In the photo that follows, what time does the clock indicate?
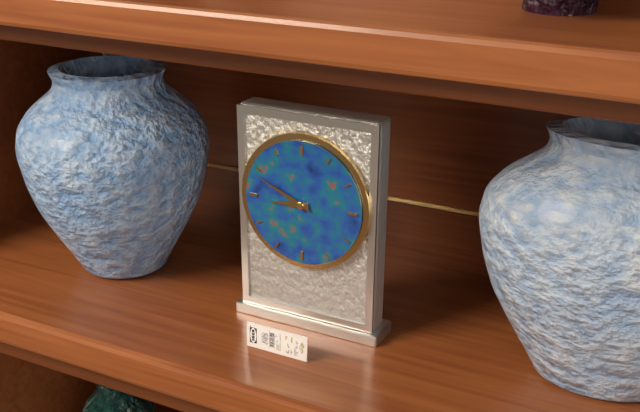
8:49
